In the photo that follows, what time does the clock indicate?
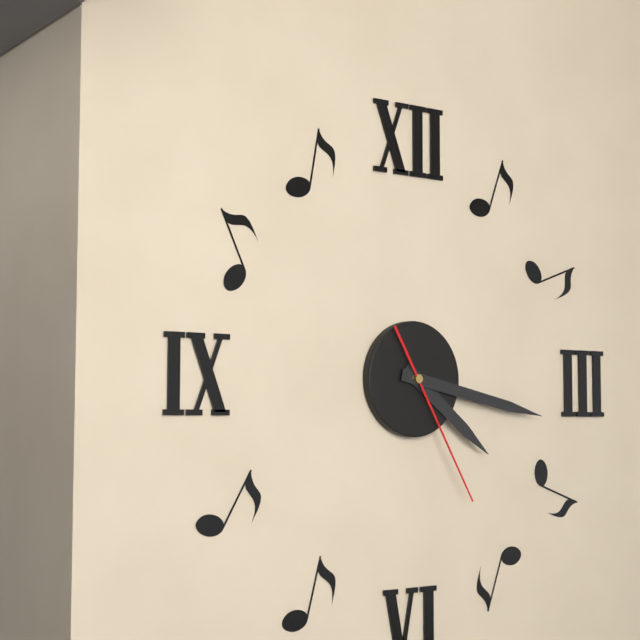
4:17:25
